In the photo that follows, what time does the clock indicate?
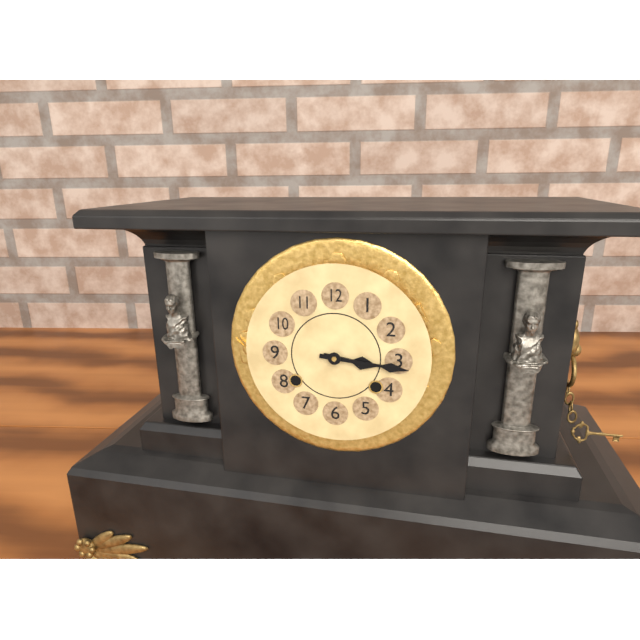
3:16
